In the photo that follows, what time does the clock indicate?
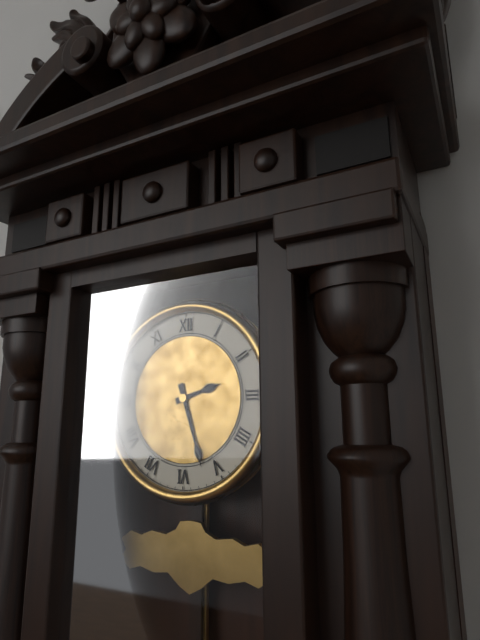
2:27
